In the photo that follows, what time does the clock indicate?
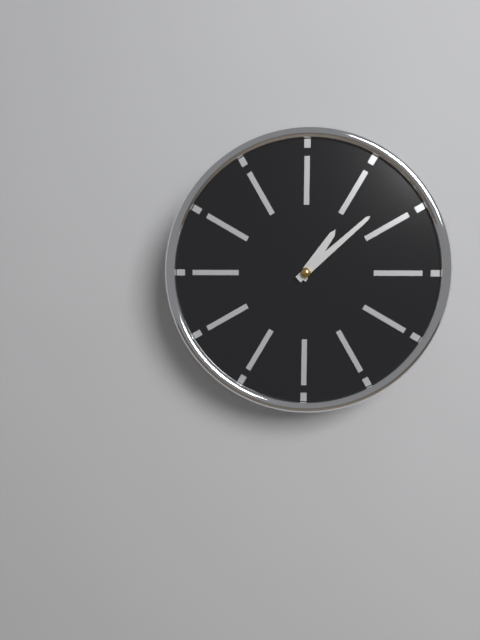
1:08
